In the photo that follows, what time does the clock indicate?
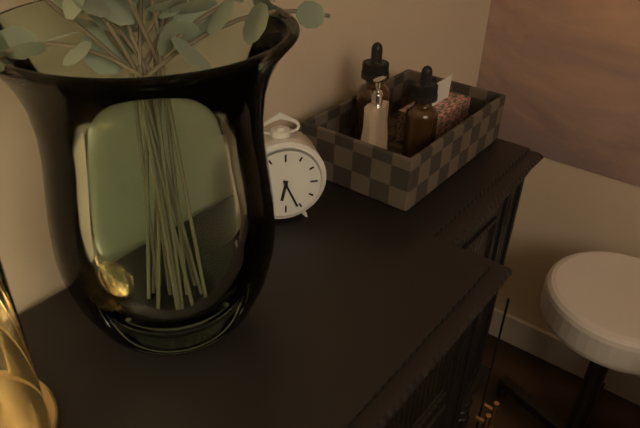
6:26
